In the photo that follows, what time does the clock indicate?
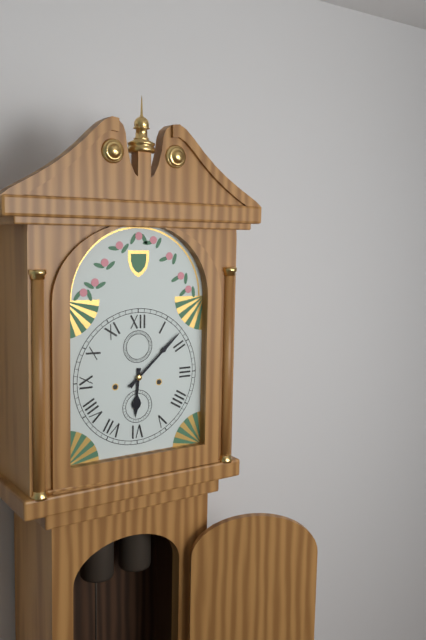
6:08
